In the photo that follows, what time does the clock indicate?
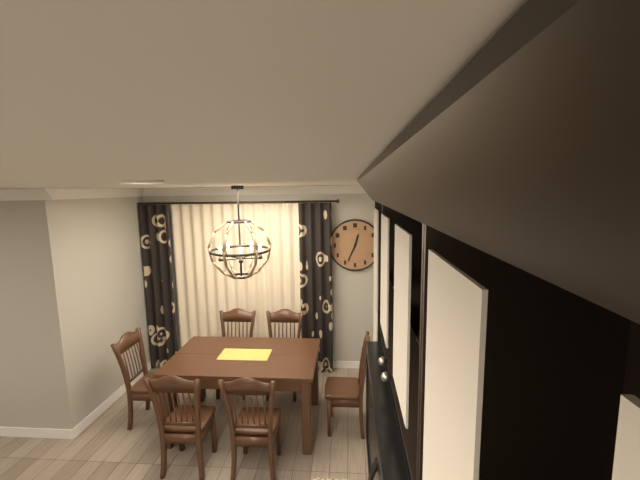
12:34
